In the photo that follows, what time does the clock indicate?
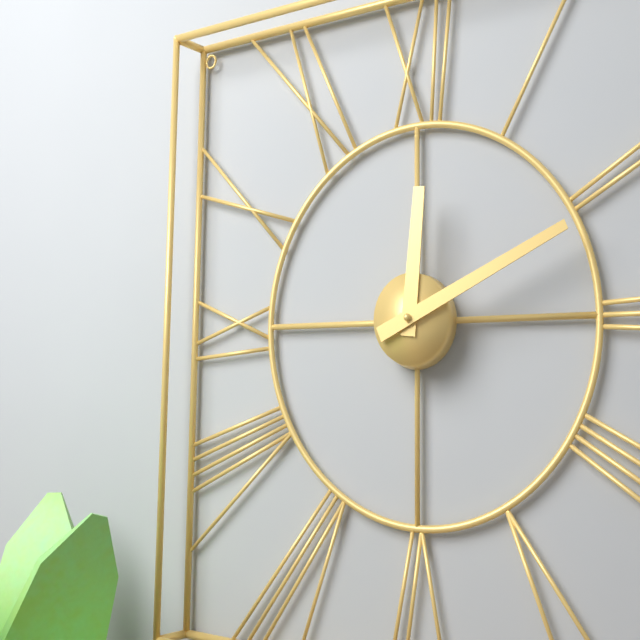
12:11
